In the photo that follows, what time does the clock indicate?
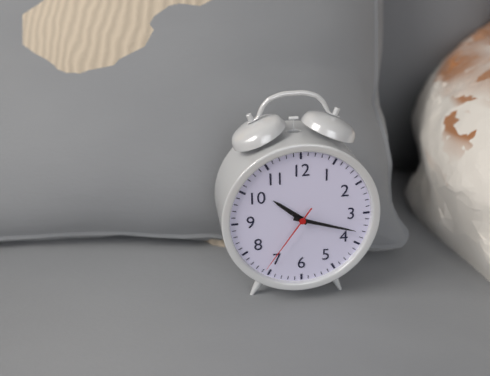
10:18:36
